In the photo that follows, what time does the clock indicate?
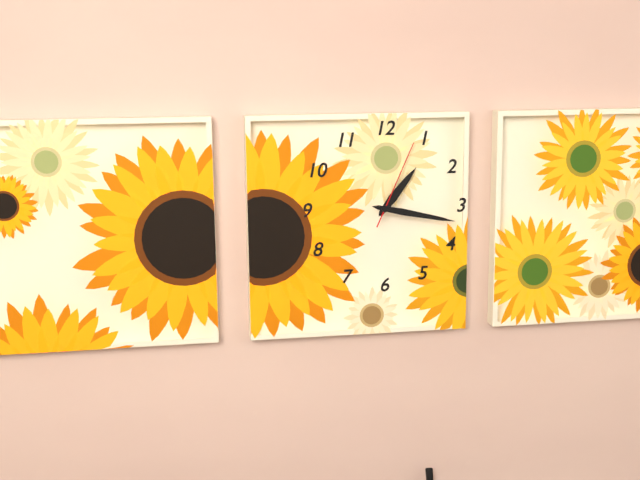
1:17:04
